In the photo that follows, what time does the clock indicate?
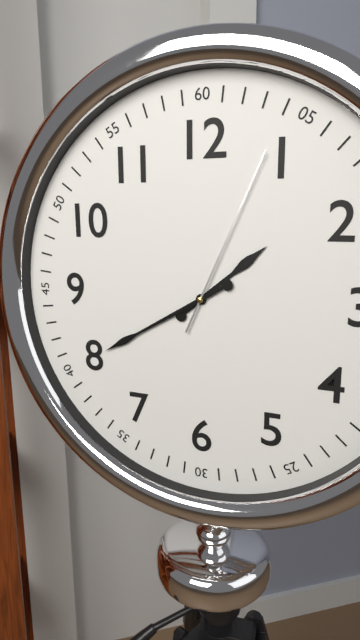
1:40:04
